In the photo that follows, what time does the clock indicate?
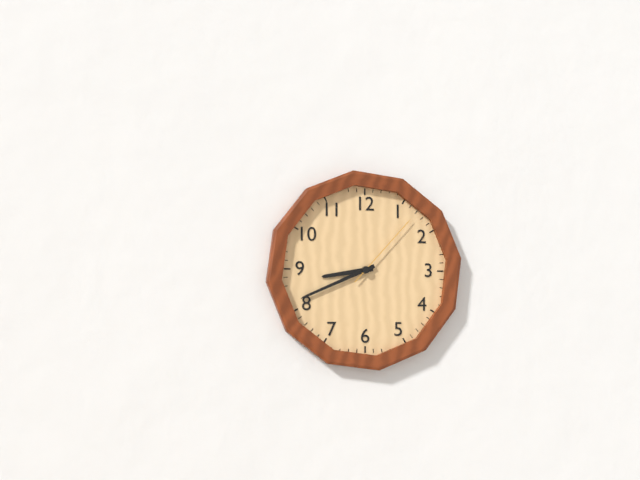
8:41:07
